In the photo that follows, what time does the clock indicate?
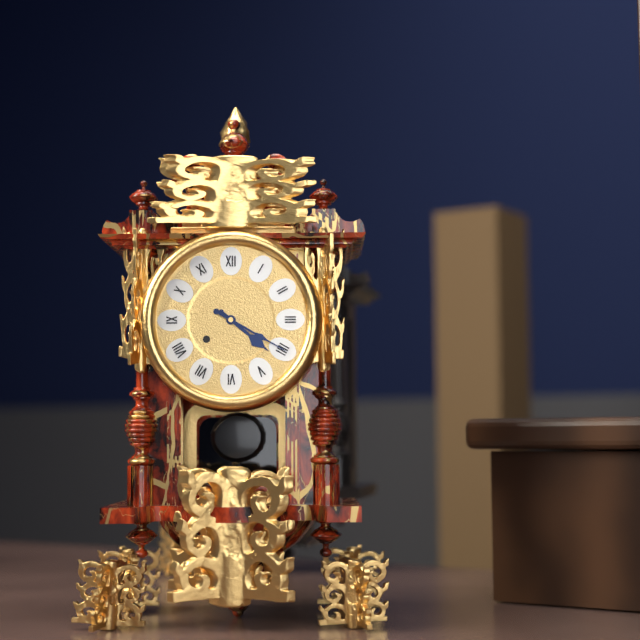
4:20
